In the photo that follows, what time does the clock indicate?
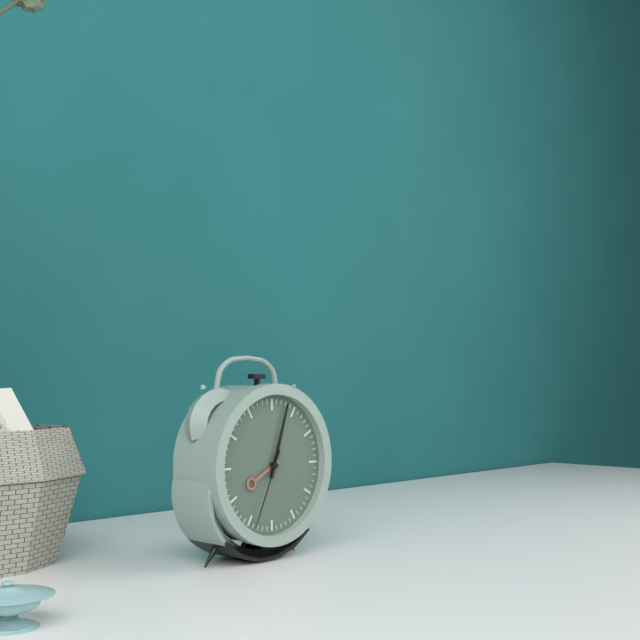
8:03:34
